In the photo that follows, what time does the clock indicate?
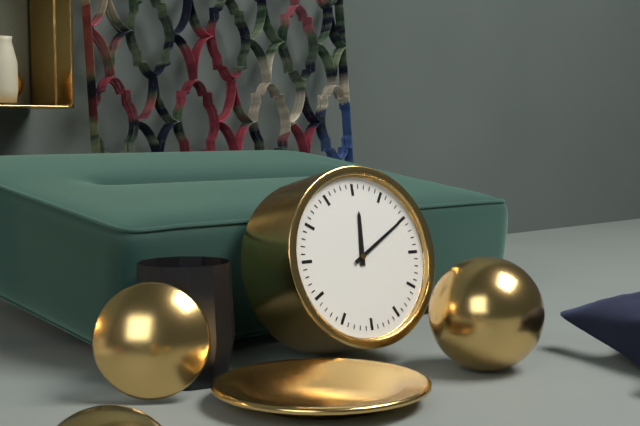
12:10
